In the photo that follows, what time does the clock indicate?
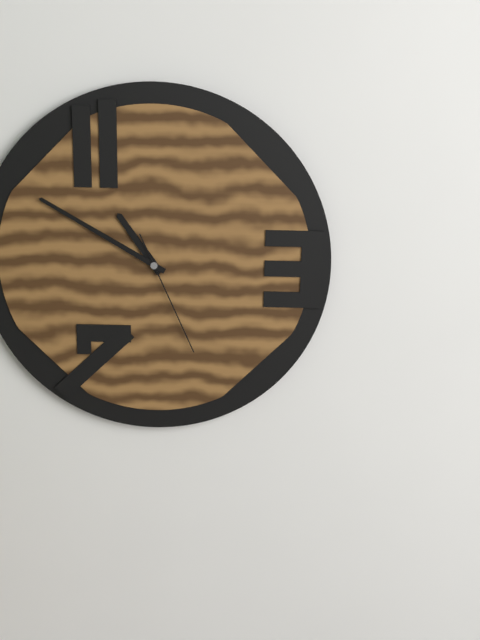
10:50:26
